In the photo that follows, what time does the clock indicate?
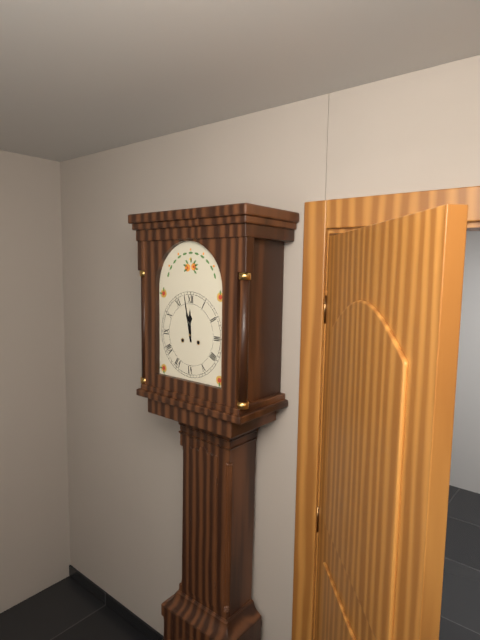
11:58
